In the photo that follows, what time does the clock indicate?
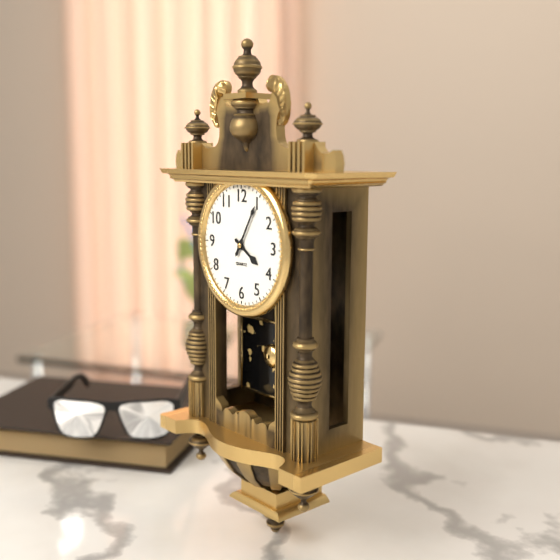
4:05
